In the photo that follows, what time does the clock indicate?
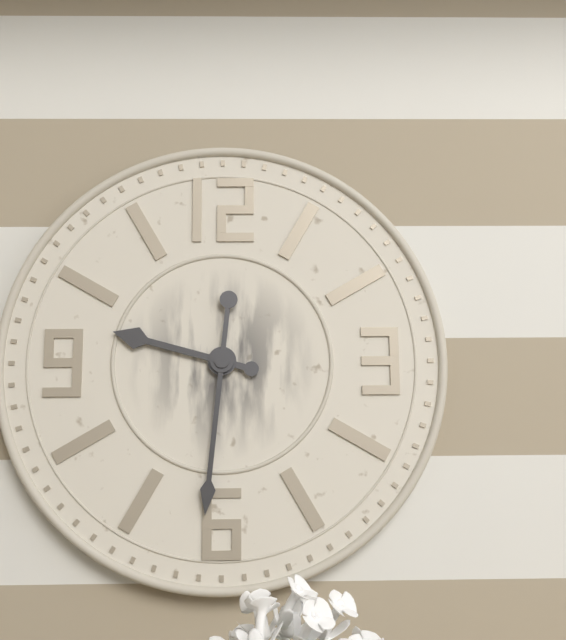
9:31
